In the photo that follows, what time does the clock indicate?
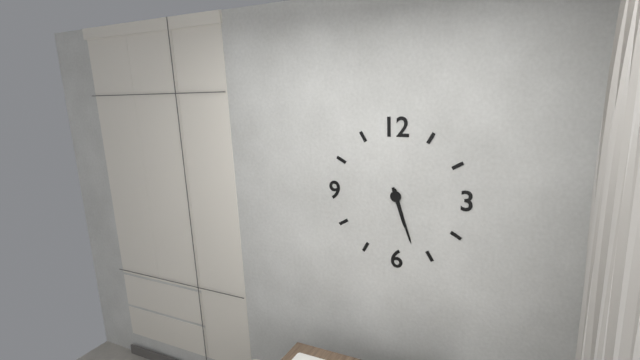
5:27
